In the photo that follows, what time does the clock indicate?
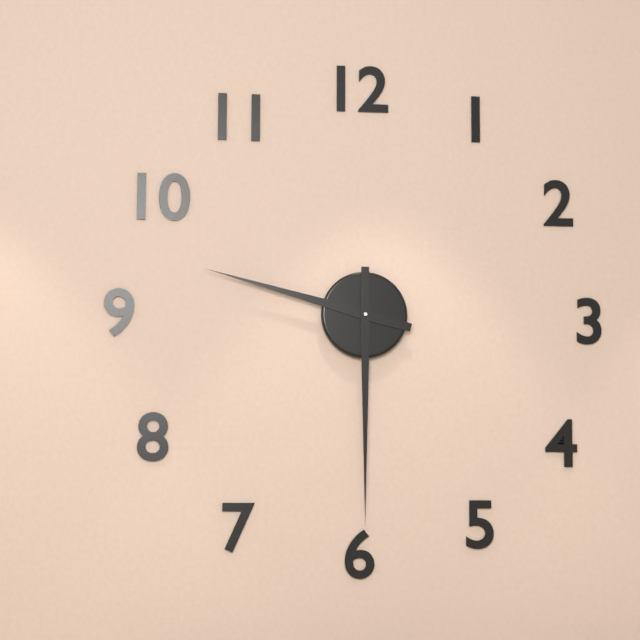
9:30
